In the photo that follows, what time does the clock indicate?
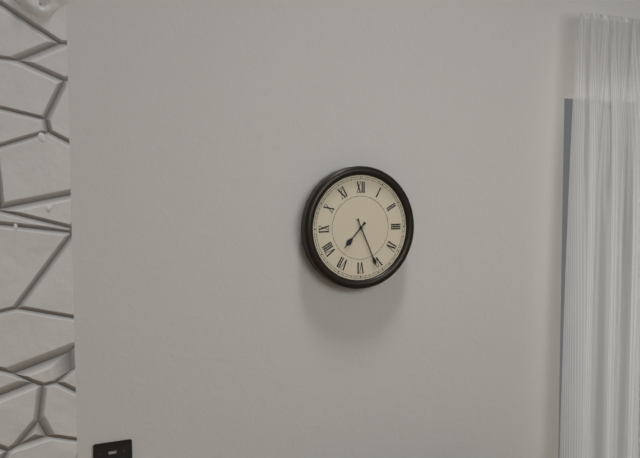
7:26
